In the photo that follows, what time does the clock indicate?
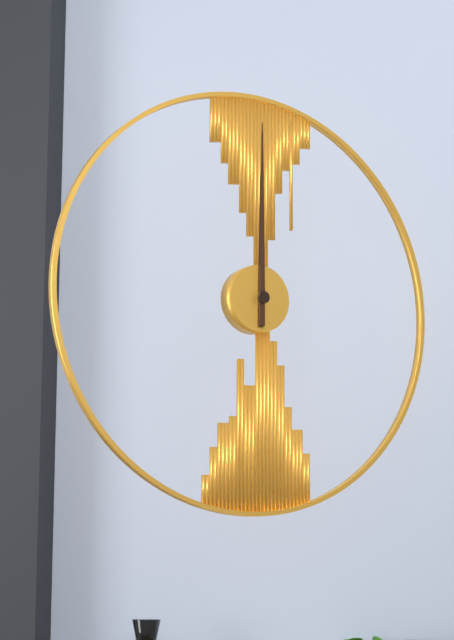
12:00
